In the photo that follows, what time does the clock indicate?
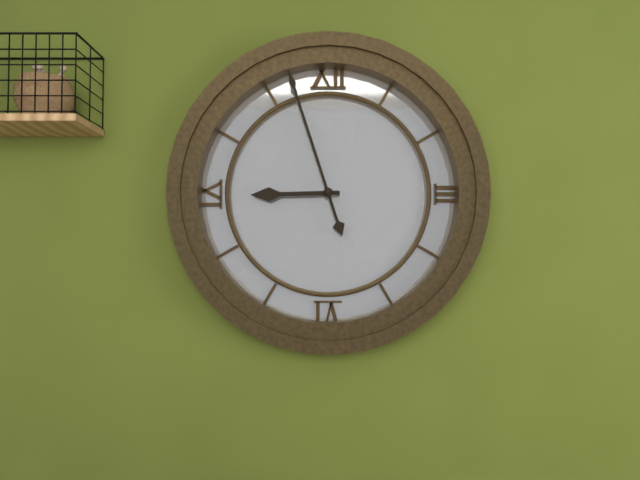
8:57
